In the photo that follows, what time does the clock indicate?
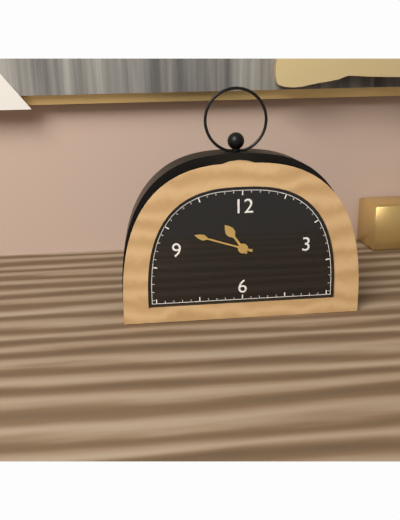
10:48
